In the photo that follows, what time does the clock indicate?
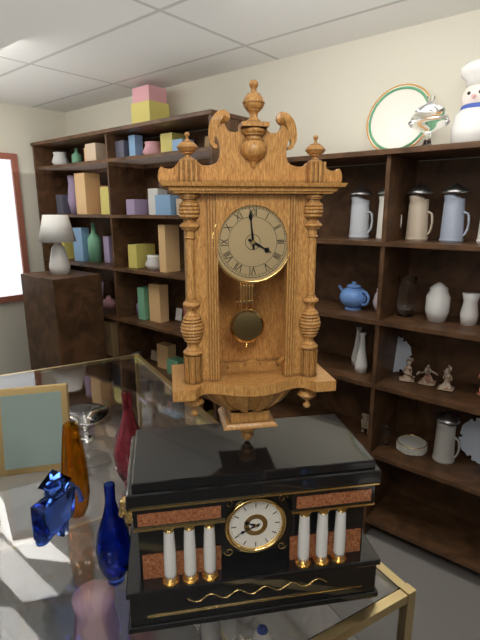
3:59
